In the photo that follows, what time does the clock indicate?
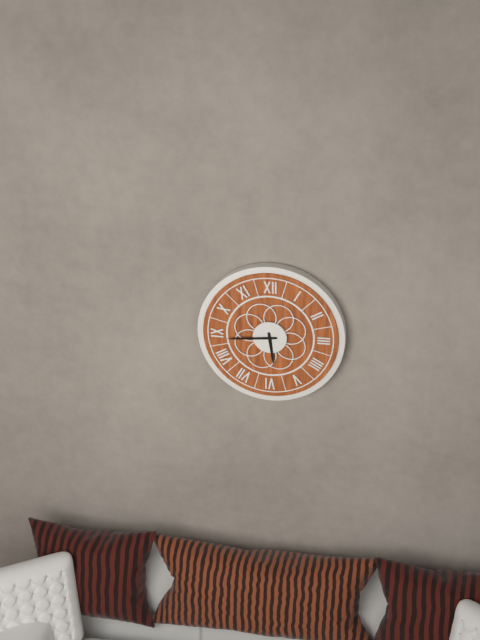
5:44
